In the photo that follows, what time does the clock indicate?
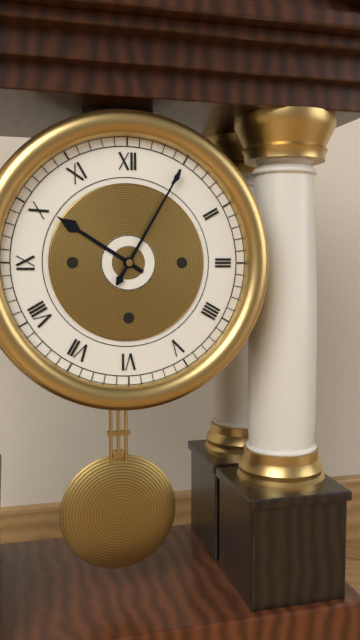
10:05
